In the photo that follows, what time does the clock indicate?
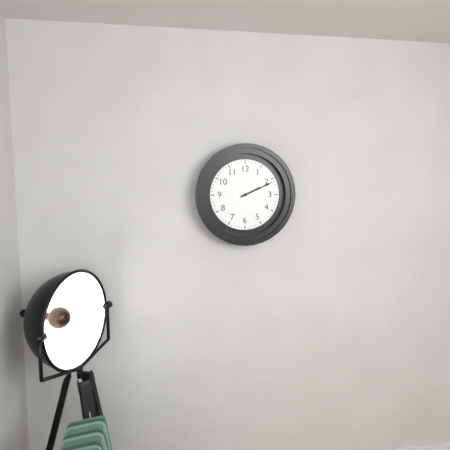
2:11
